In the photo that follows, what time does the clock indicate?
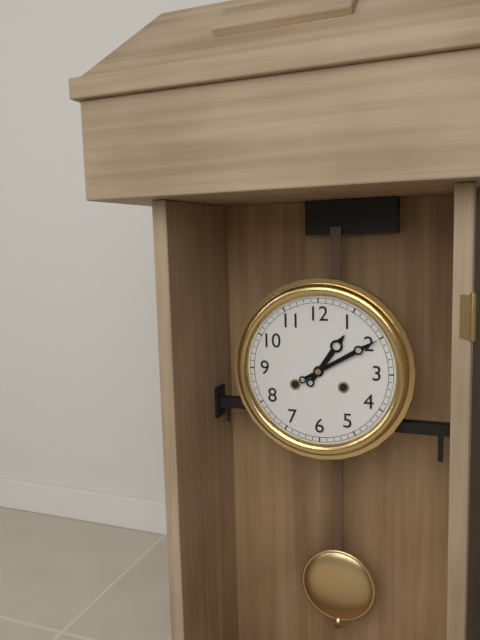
1:10
